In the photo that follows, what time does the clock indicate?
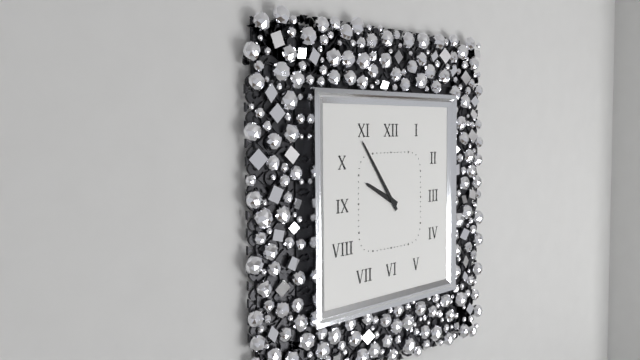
9:54
